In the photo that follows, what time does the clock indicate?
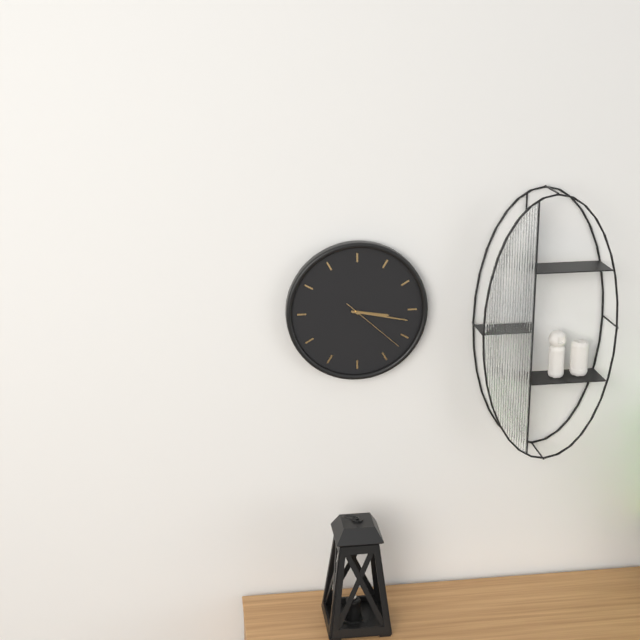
3:17:22
